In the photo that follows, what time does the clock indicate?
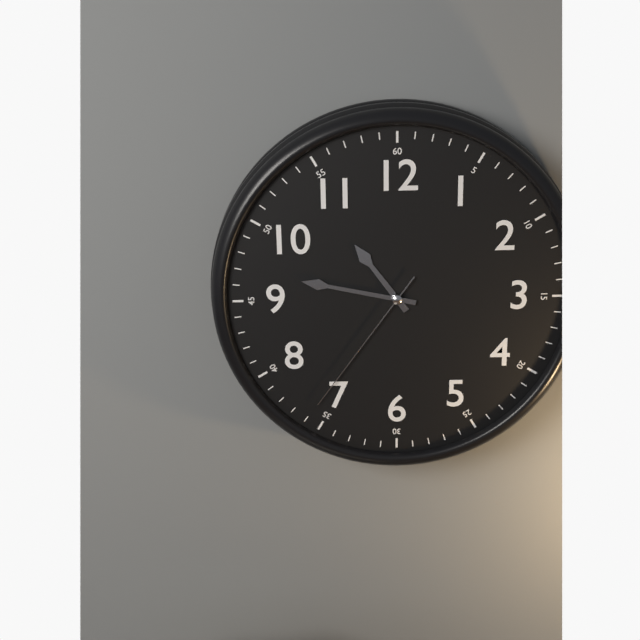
10:47:36
